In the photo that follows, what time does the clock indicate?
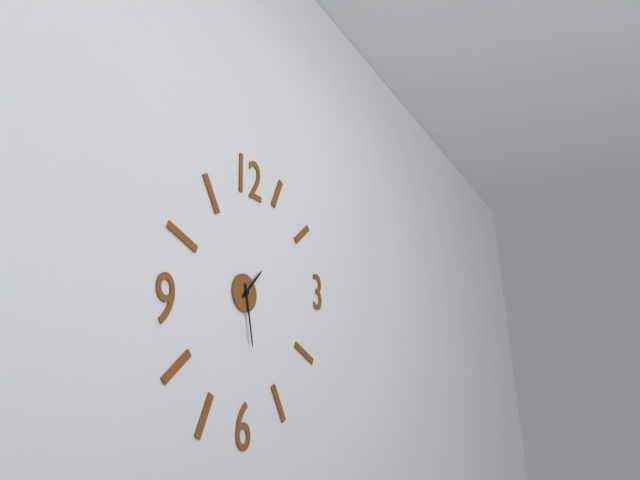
1:28
